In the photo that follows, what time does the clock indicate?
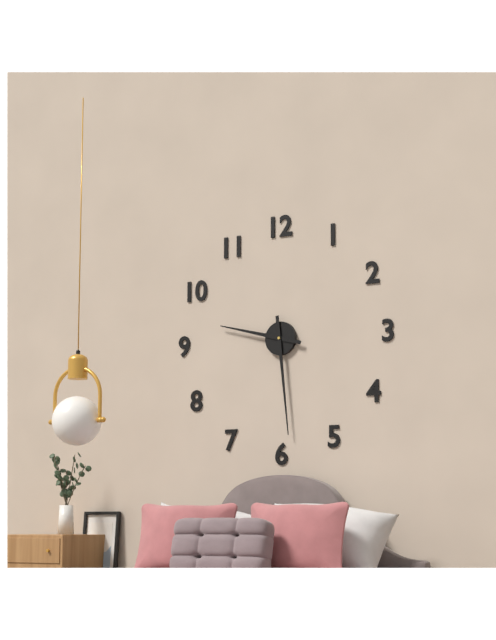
9:29
